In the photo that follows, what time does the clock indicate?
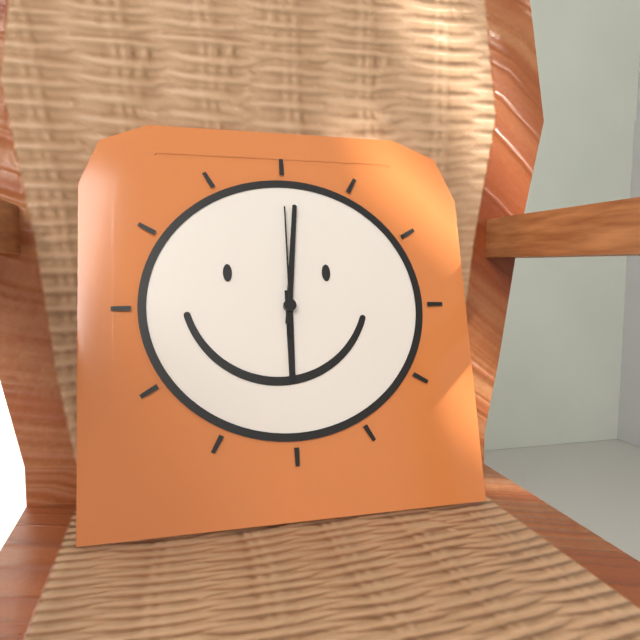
6:01:00
